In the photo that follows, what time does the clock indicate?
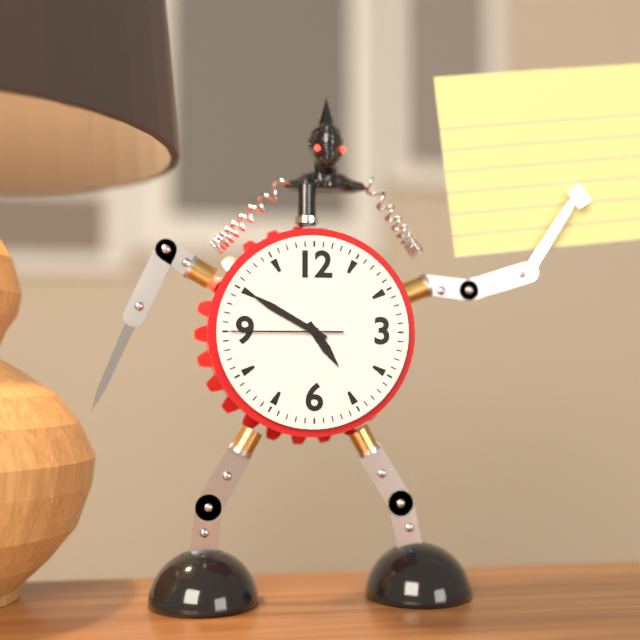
4:50:45
